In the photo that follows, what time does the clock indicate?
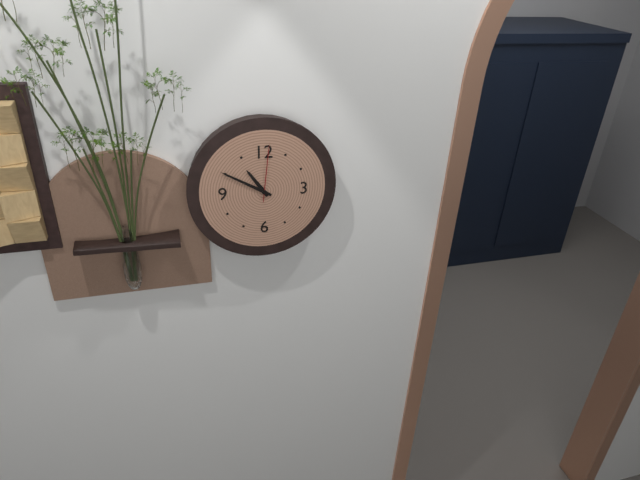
10:50:01
